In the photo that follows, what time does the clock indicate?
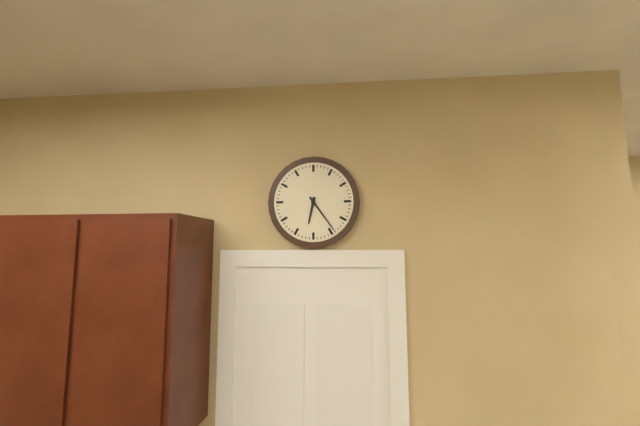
6:24
